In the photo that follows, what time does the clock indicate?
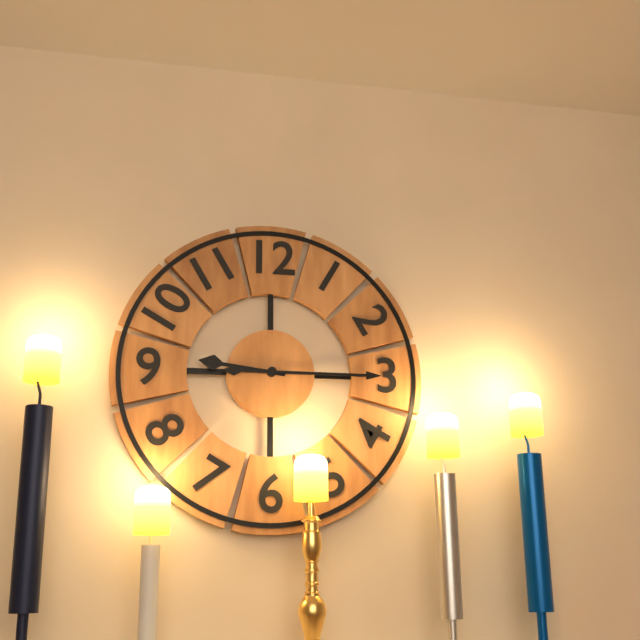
9:15
